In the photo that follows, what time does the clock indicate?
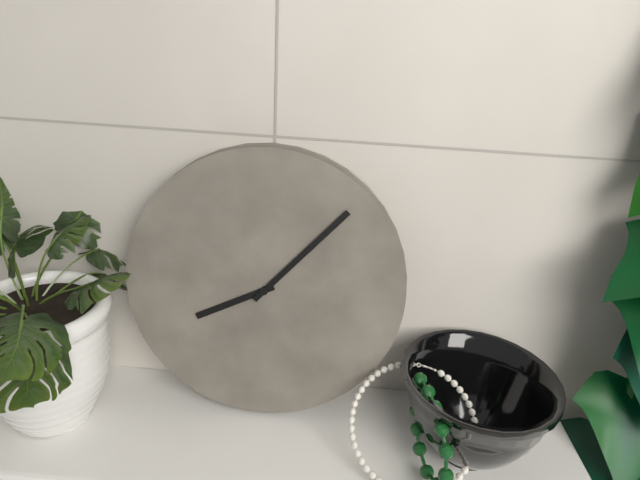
8:07
